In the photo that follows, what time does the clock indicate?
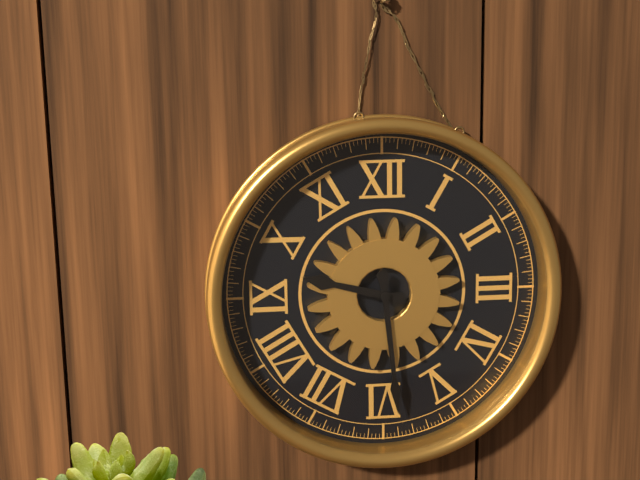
9:29
